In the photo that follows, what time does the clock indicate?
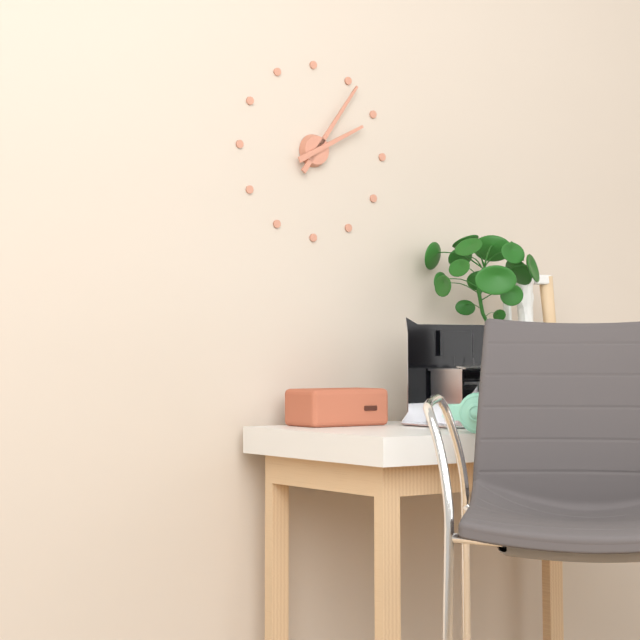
2:06
